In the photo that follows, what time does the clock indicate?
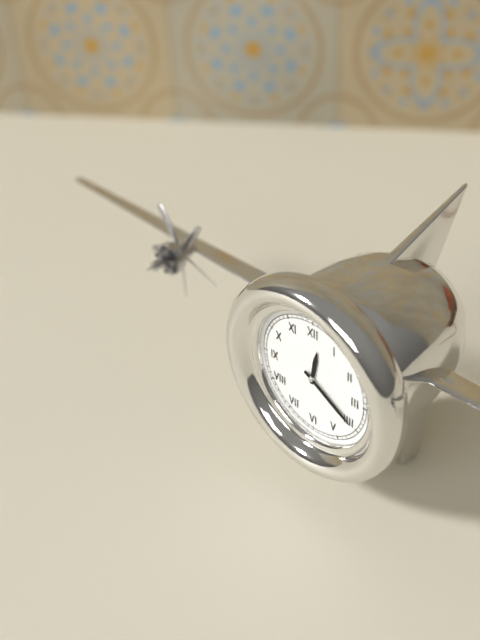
12:20
